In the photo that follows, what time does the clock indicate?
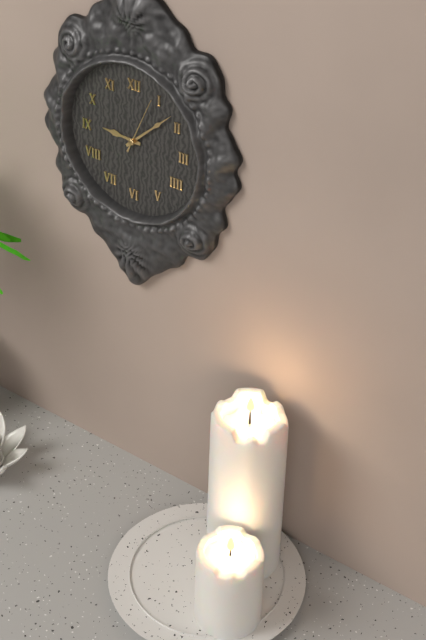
9:08:04
